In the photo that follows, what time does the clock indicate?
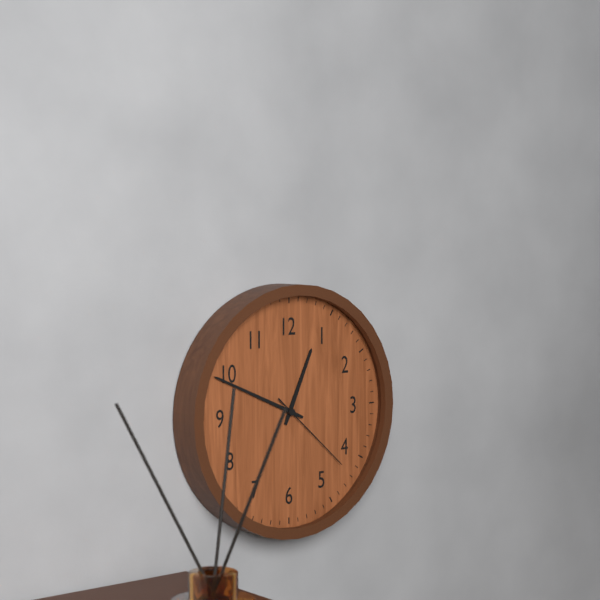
12:49:22
